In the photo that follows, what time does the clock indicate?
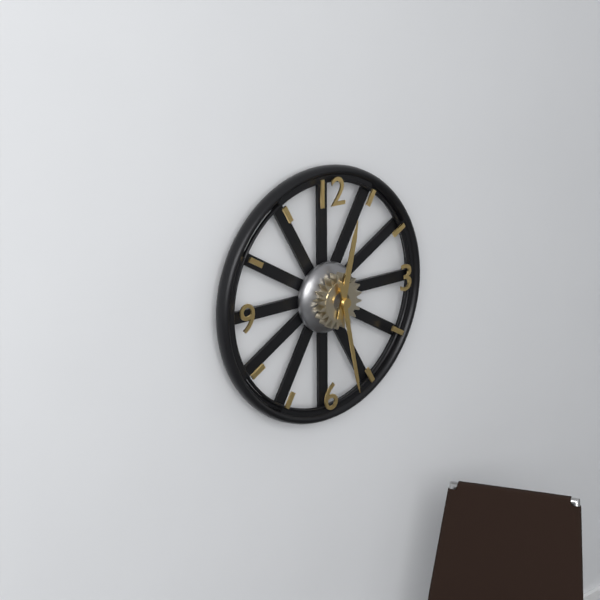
12:28
